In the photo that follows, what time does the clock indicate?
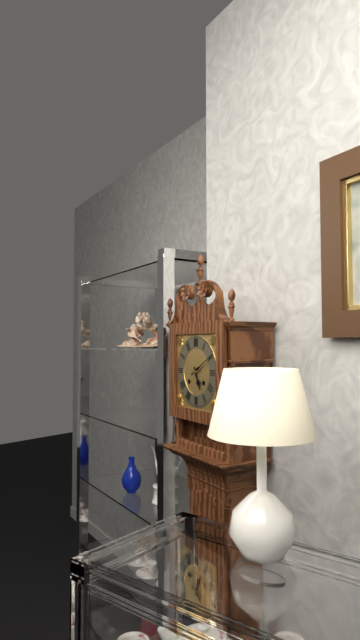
5:10
